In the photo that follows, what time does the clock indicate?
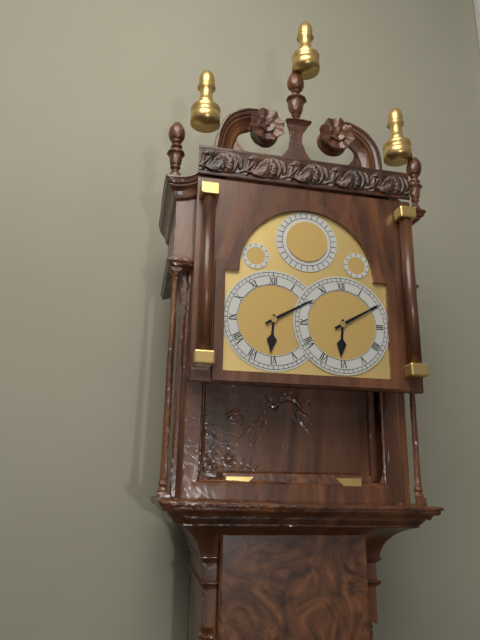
6:10
